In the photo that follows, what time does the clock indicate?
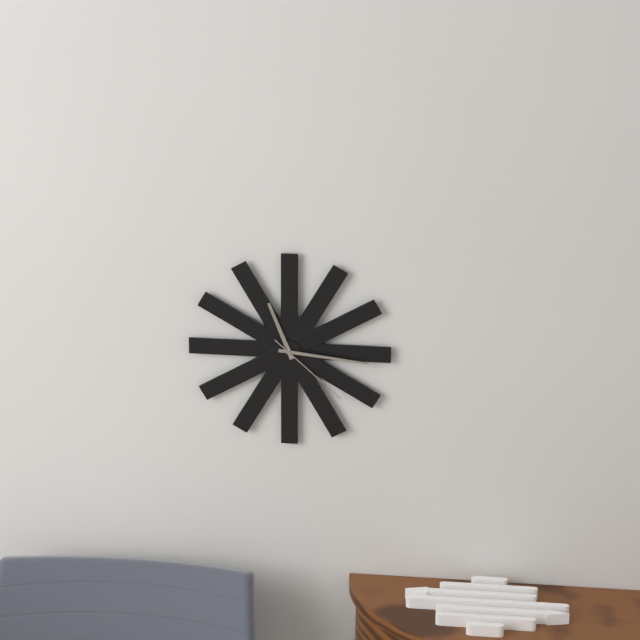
11:16:22
